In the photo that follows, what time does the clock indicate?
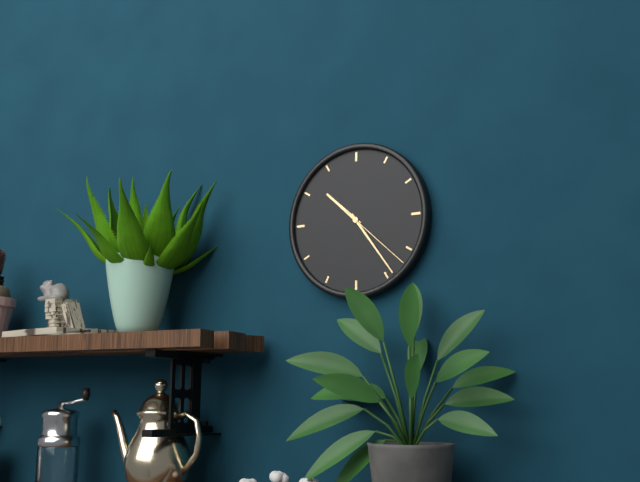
10:24:22
